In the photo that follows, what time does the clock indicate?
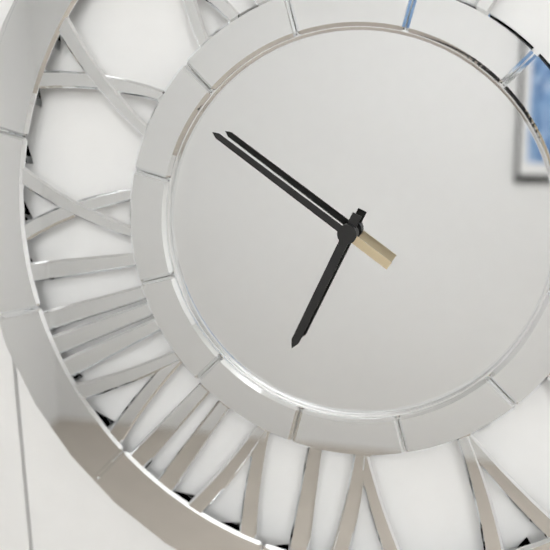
6:51
